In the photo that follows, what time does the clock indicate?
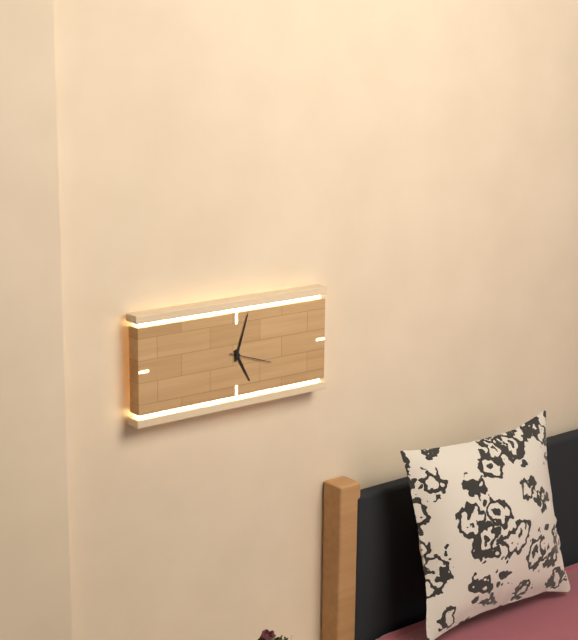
5:03
